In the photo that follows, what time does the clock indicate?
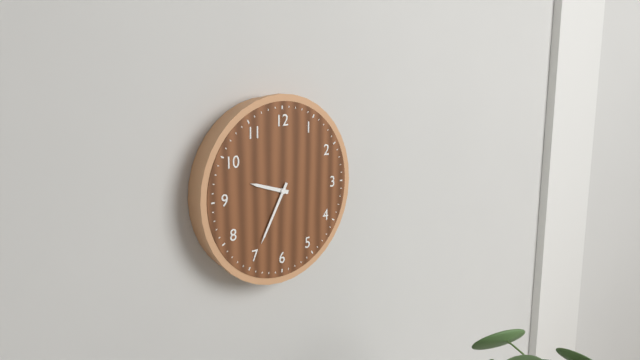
9:35
